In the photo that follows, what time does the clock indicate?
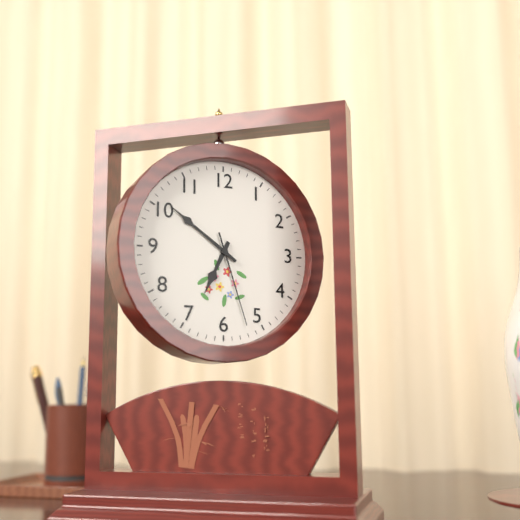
6:51:27
